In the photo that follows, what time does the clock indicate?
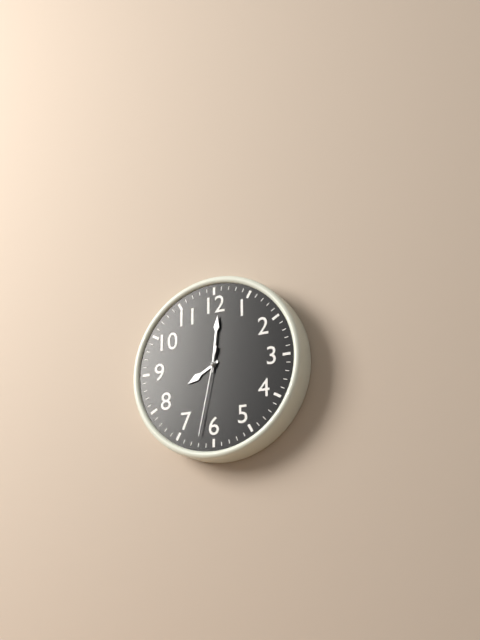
8:01:32
